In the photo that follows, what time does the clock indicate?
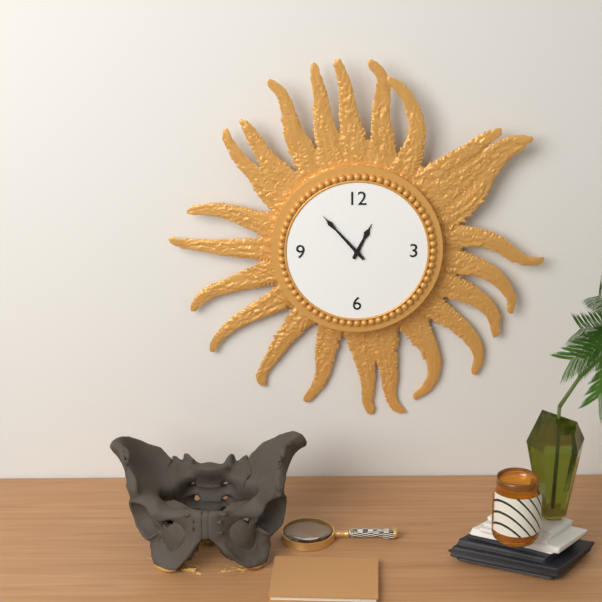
12:53
